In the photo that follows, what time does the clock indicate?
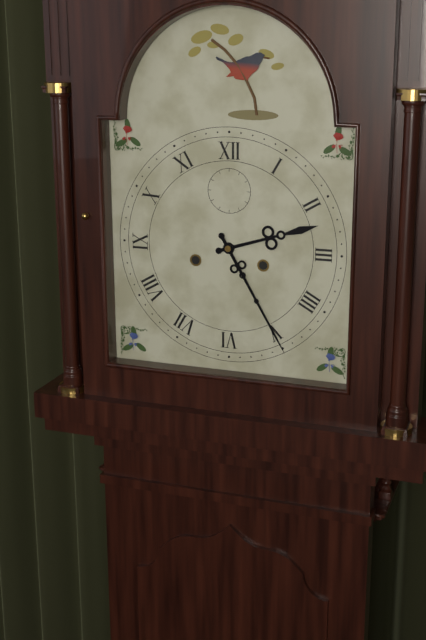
2:25
